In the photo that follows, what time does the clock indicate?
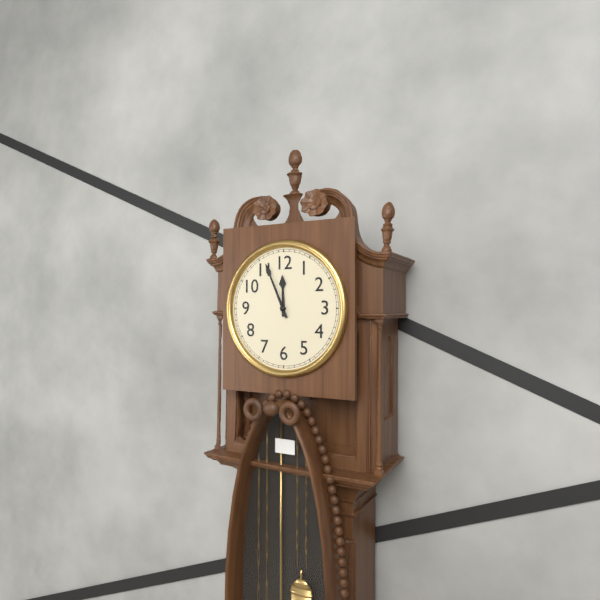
11:56
